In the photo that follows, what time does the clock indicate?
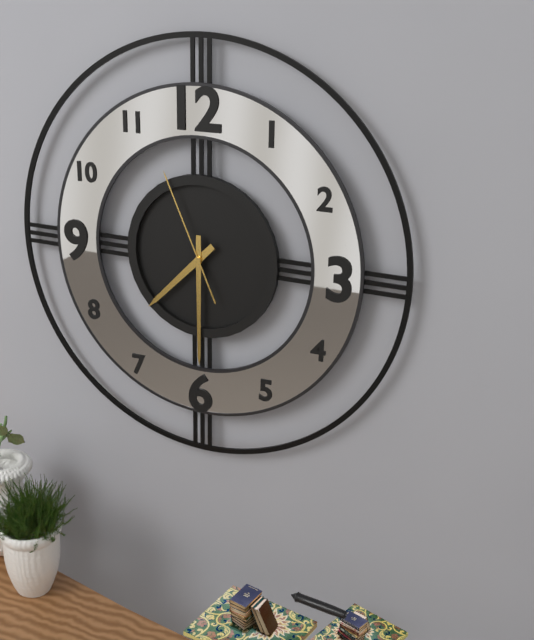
7:30:56
